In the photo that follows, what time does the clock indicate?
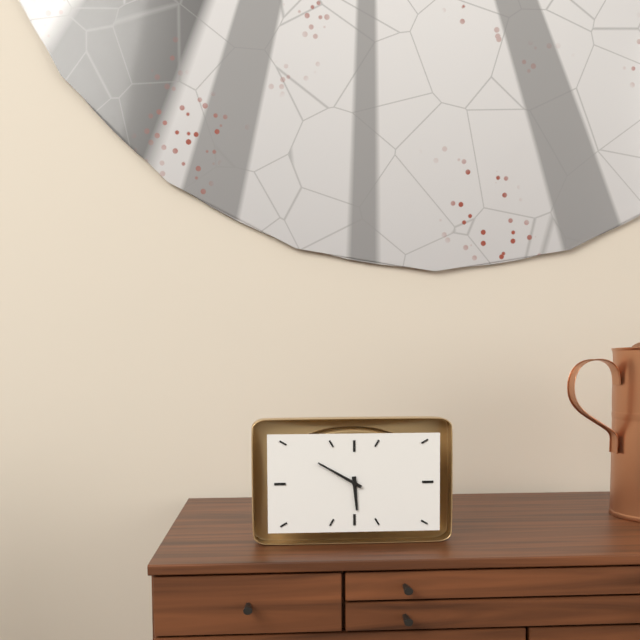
5:50
